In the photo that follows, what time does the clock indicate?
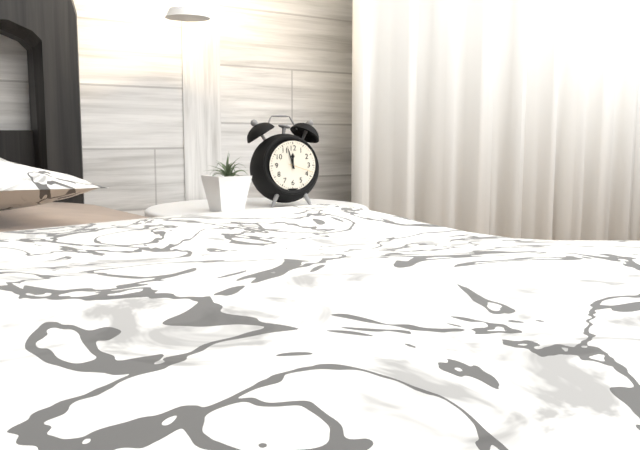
11:57
